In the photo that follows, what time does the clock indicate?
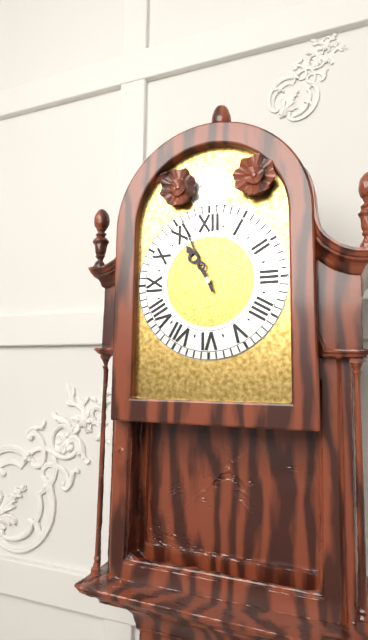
10:56
